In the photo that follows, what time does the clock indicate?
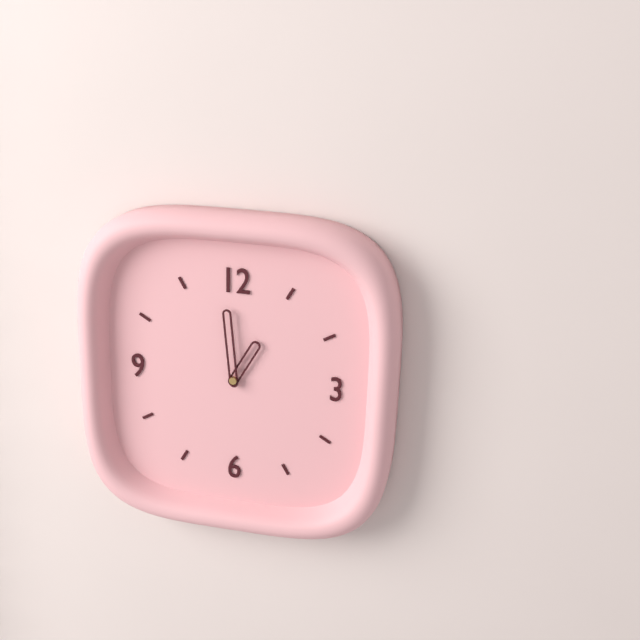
12:59
